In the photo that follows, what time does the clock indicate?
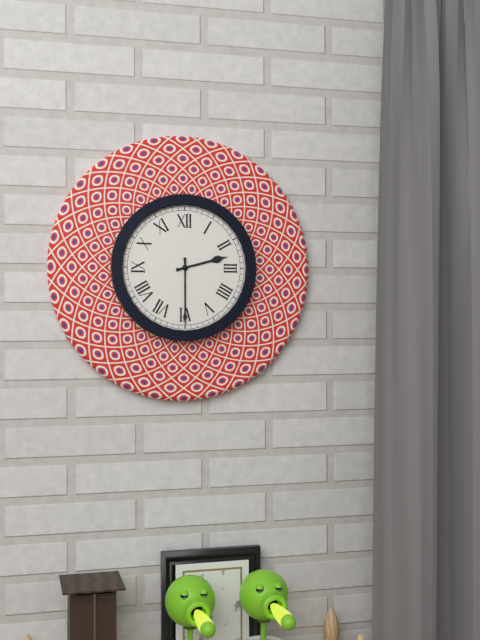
2:30
